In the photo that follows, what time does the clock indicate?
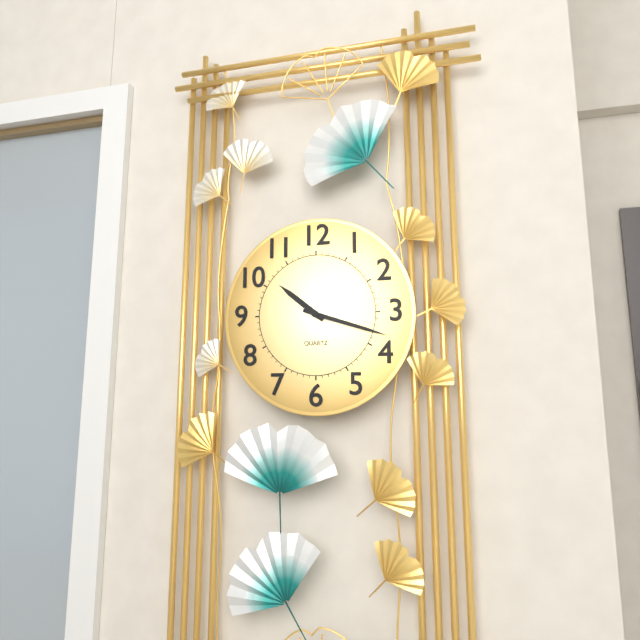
10:18
